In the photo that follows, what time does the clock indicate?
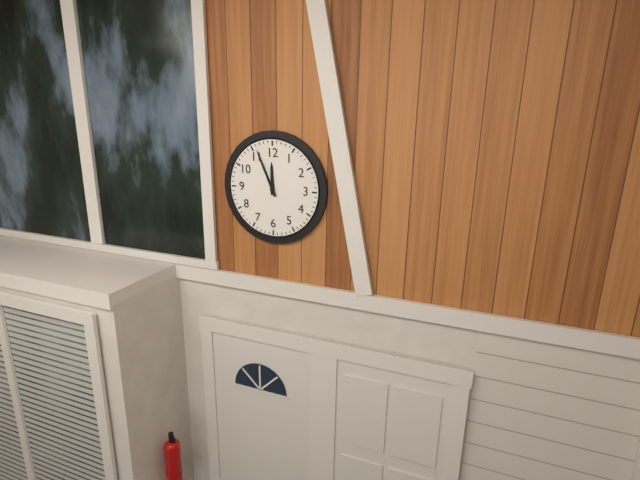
11:56
